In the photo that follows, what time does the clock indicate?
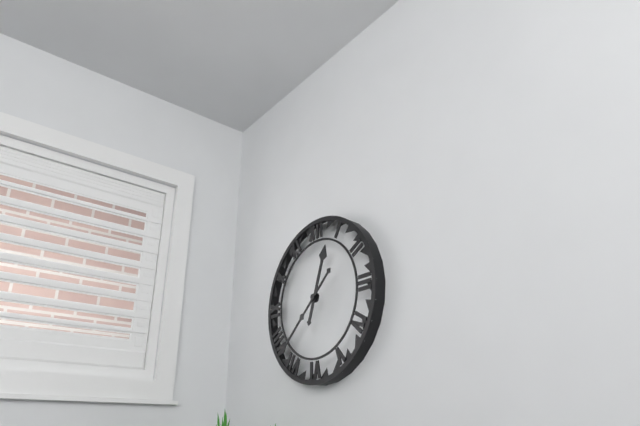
12:38
